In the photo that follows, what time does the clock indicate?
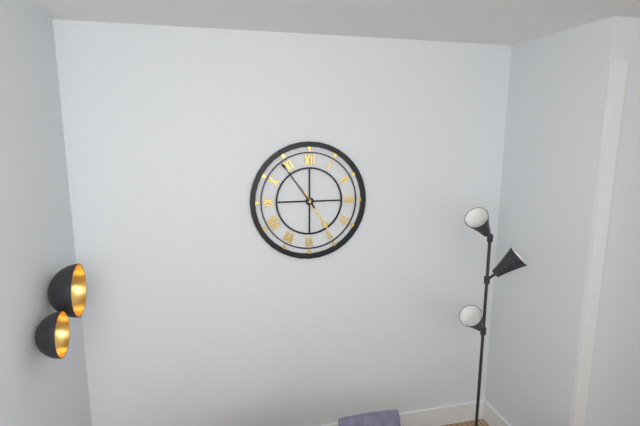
4:54
